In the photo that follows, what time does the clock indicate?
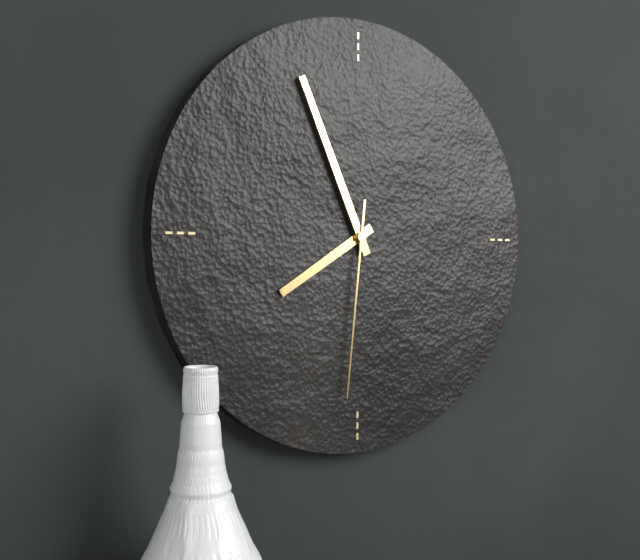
7:56:31
